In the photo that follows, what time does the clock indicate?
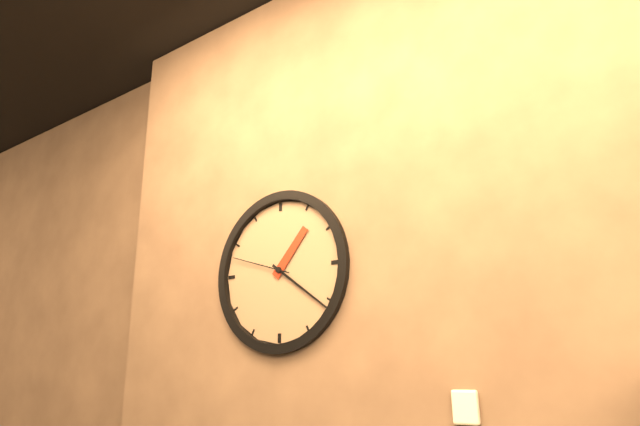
1:21:48
